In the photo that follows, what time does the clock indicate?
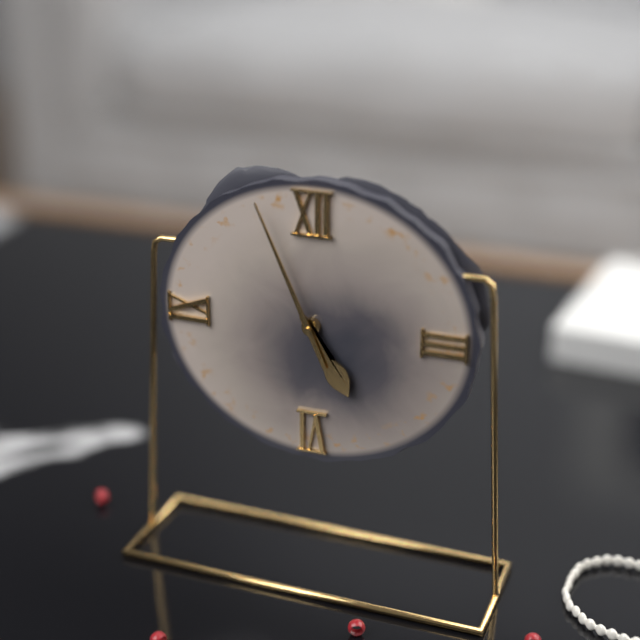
4:56
